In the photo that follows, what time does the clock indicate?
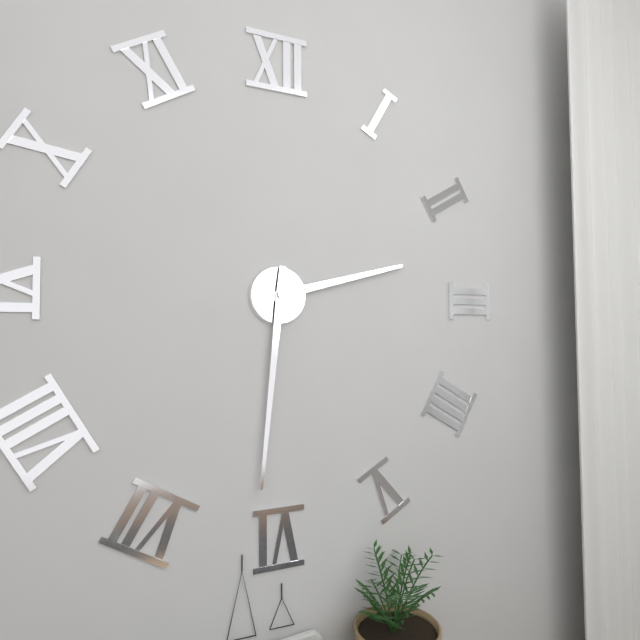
2:31
